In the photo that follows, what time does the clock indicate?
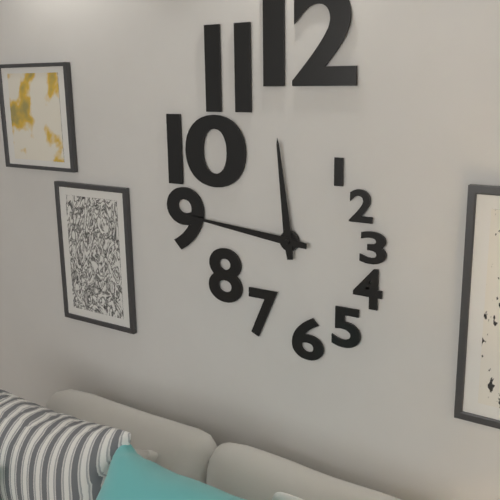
11:46
